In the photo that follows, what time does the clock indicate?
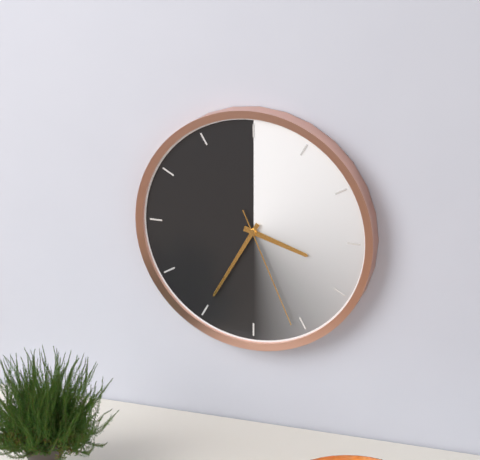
3:35:26
